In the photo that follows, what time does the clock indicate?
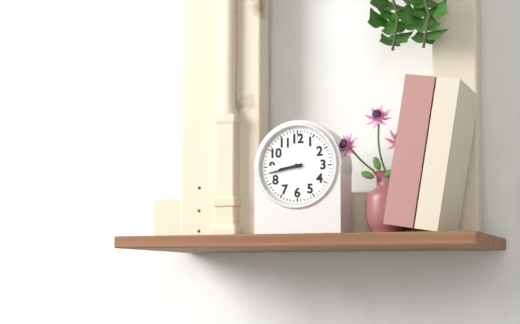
8:43
